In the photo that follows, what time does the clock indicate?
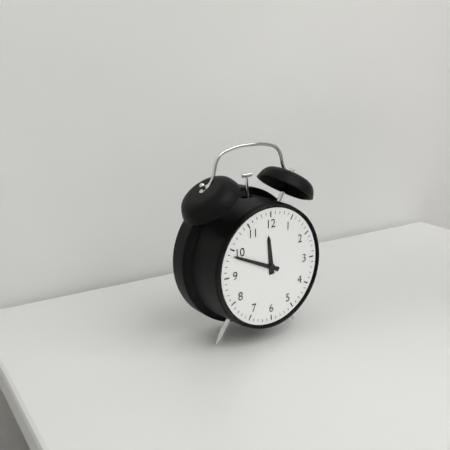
11:49
